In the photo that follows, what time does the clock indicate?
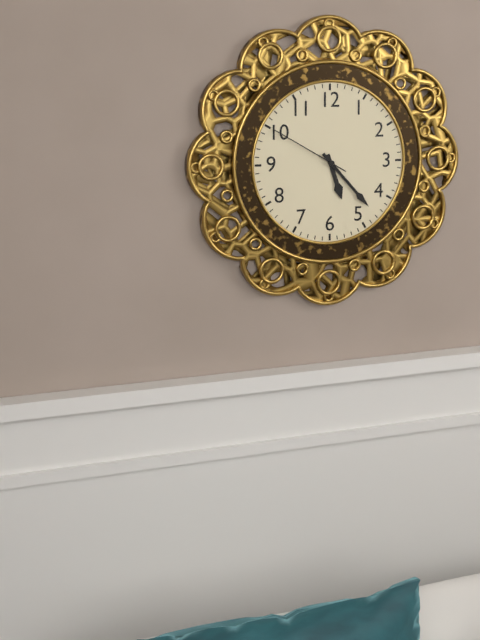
5:23:50
